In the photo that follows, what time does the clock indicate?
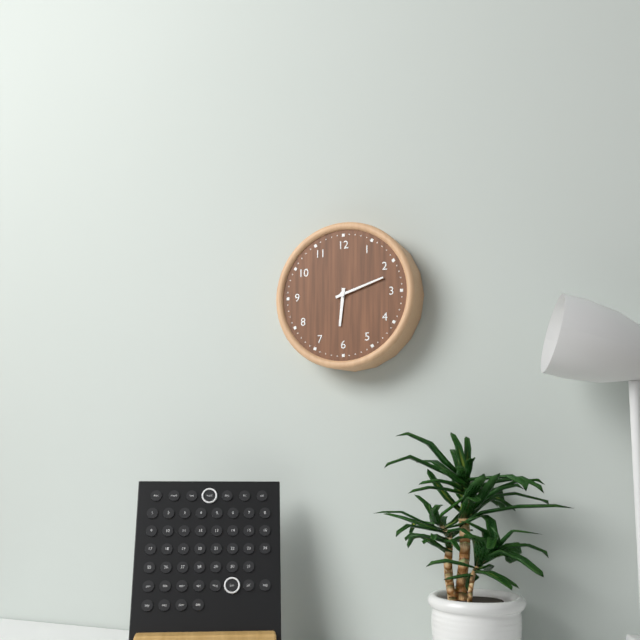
6:12
